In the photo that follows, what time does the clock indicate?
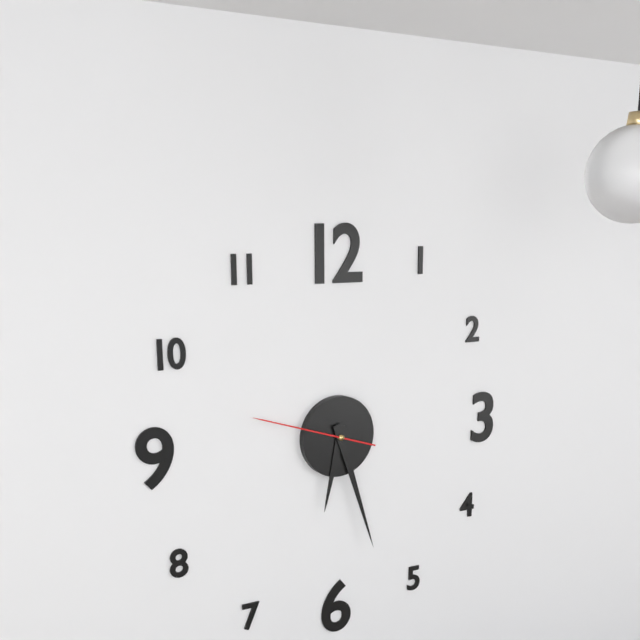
6:27:48
